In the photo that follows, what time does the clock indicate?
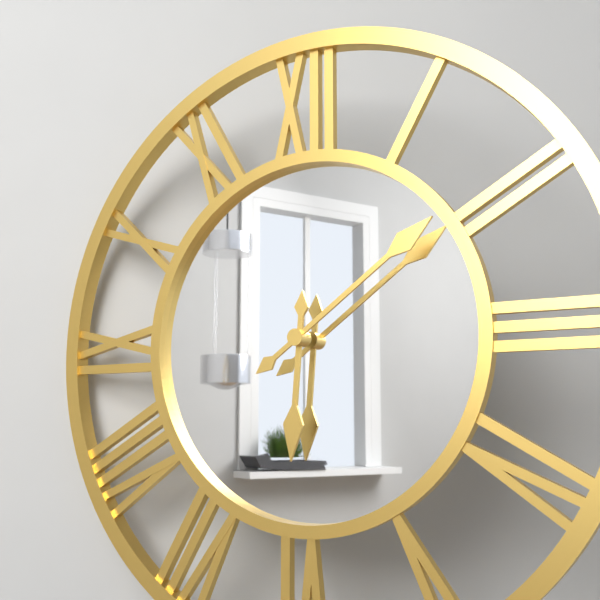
6:09
